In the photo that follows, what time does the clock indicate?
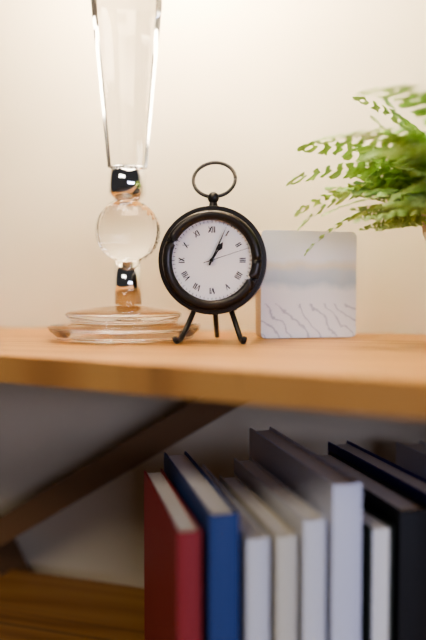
1:04
